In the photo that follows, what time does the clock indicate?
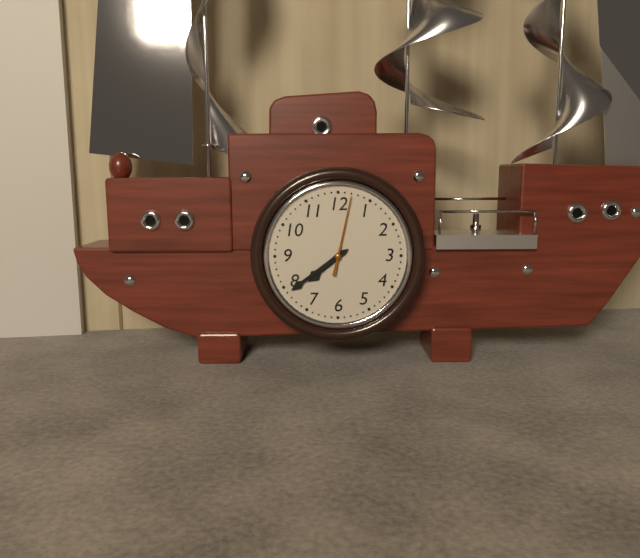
7:39:02
